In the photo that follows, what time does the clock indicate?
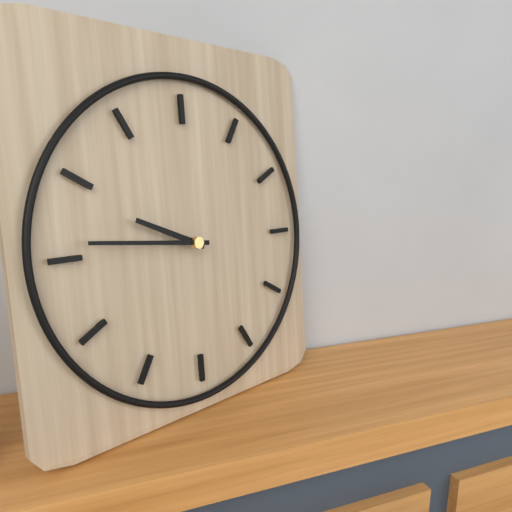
9:46
